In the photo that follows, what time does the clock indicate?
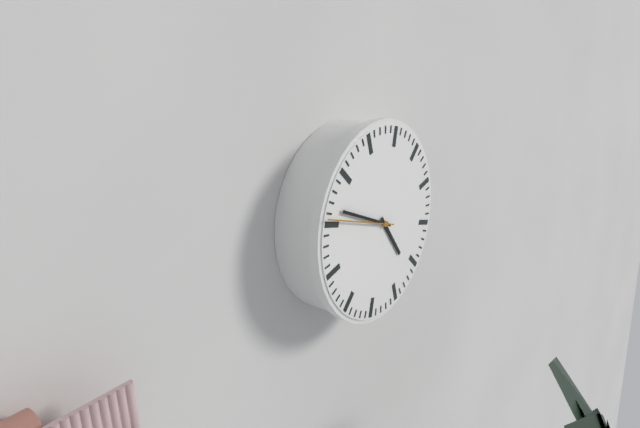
4:49:48
